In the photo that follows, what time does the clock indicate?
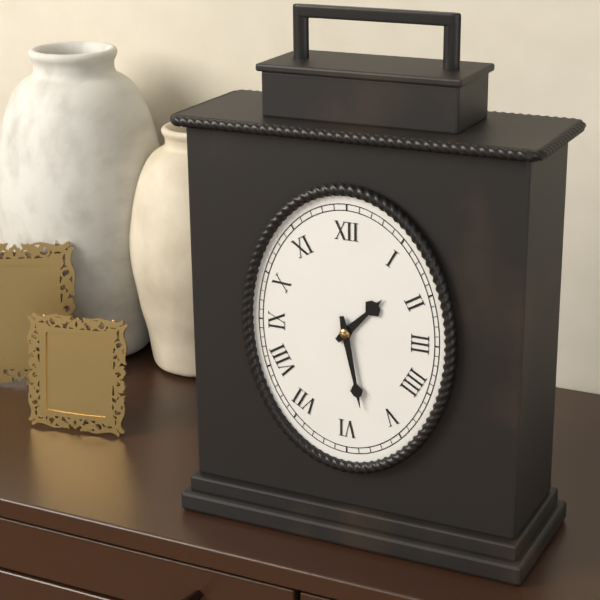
1:28
